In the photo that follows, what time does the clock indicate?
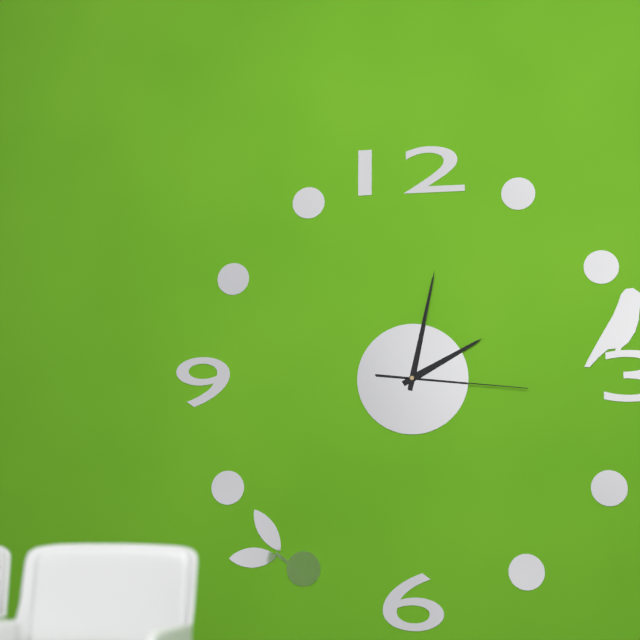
2:02:16
